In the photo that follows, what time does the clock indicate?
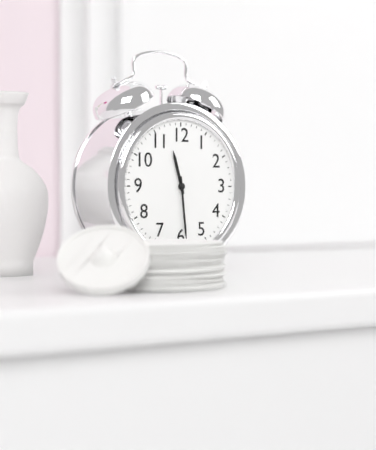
11:29
